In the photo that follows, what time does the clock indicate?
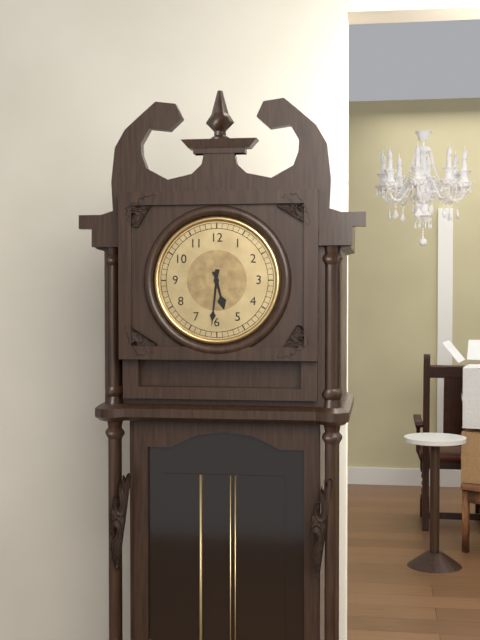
5:31
